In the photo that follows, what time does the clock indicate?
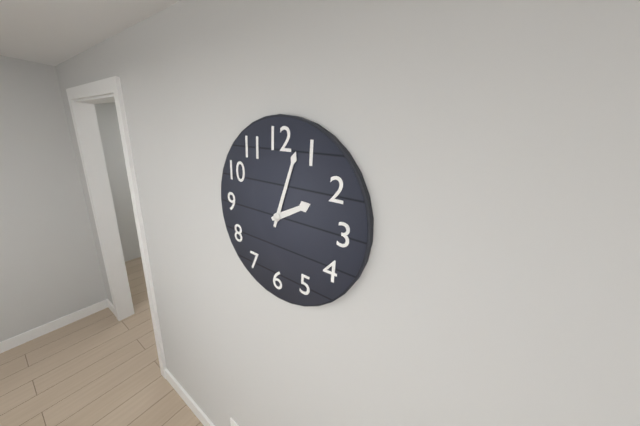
2:03
